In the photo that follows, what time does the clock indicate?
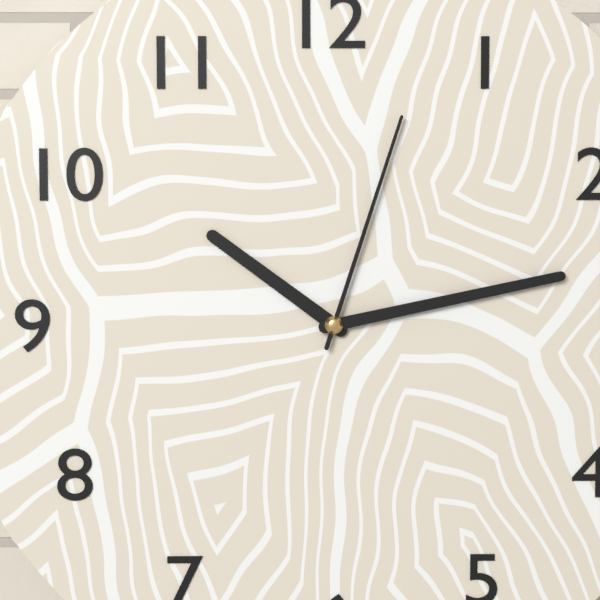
10:13:03
